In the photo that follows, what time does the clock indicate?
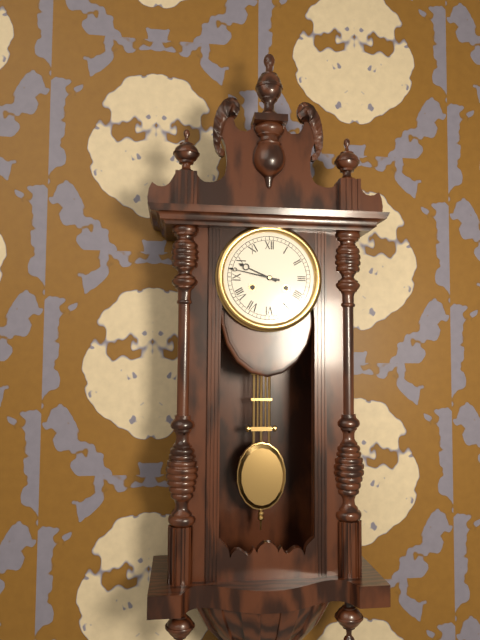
9:47
